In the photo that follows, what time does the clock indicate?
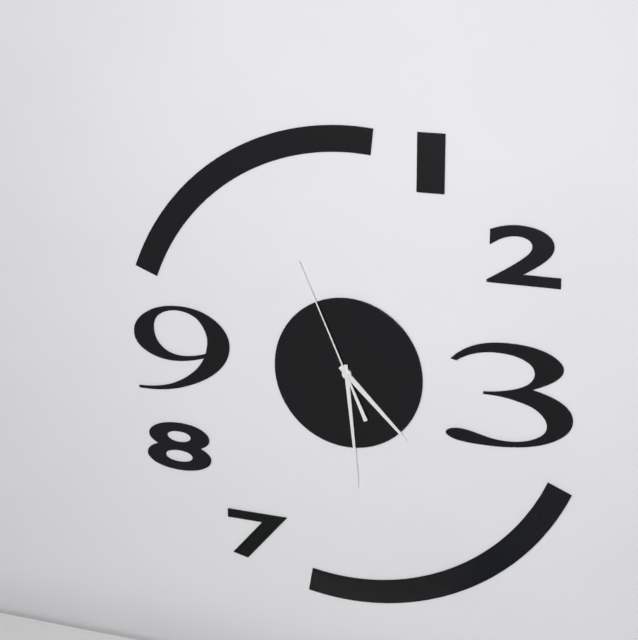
4:29:56
